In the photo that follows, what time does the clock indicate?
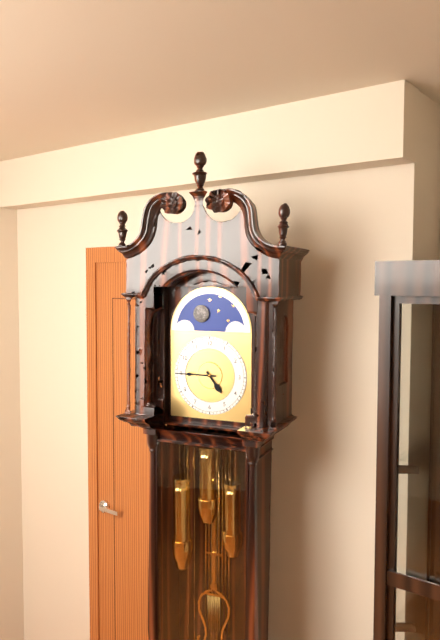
4:45
